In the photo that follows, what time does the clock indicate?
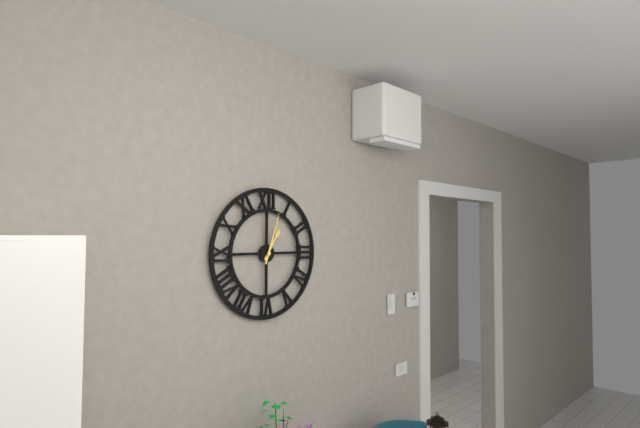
1:03
